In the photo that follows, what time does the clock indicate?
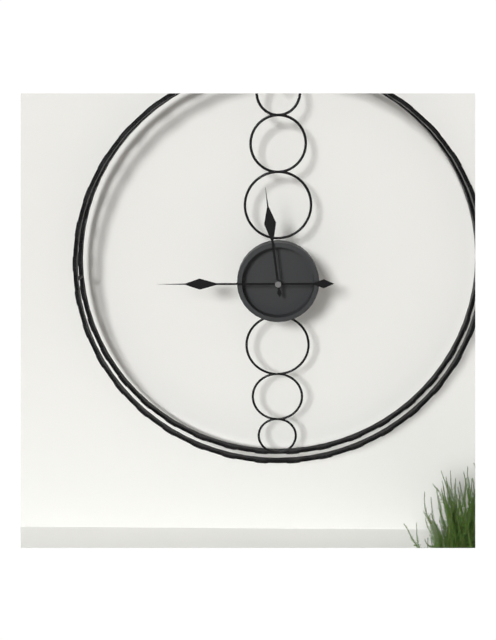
11:45
